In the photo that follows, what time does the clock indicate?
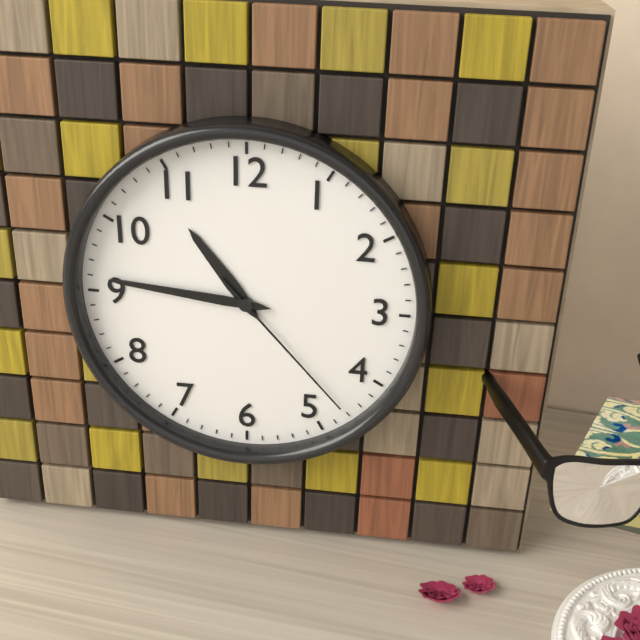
10:46:23
